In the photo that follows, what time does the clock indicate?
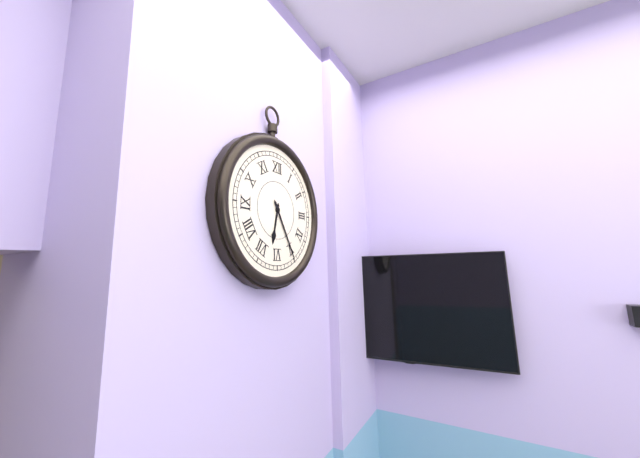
6:25
